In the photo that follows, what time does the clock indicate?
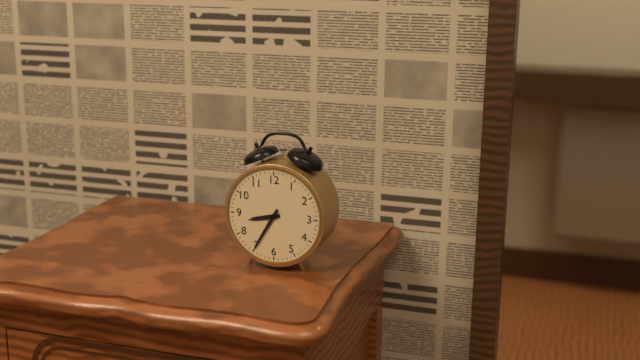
8:35
